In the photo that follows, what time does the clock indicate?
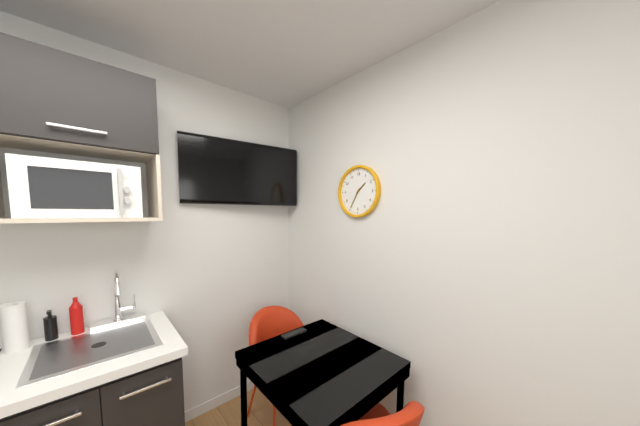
1:35
